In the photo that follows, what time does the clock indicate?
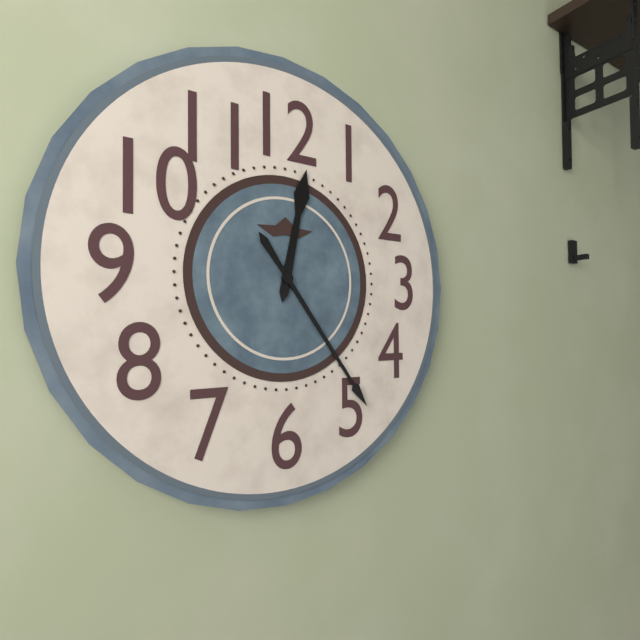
12:24
